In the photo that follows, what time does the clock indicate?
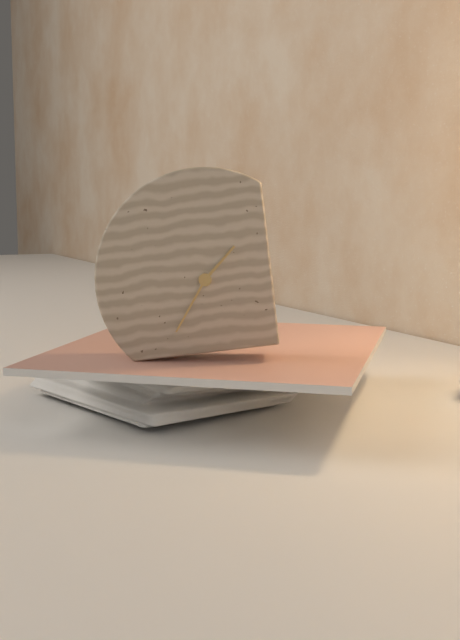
1:36
